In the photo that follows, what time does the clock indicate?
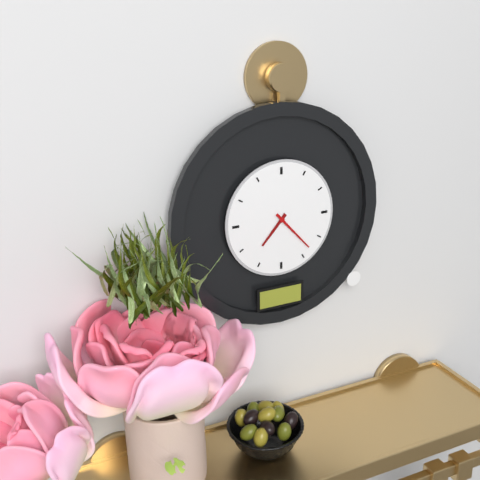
7:23
